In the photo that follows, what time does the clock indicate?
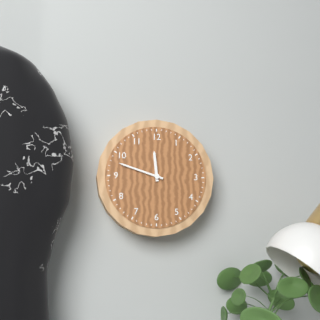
11:48
